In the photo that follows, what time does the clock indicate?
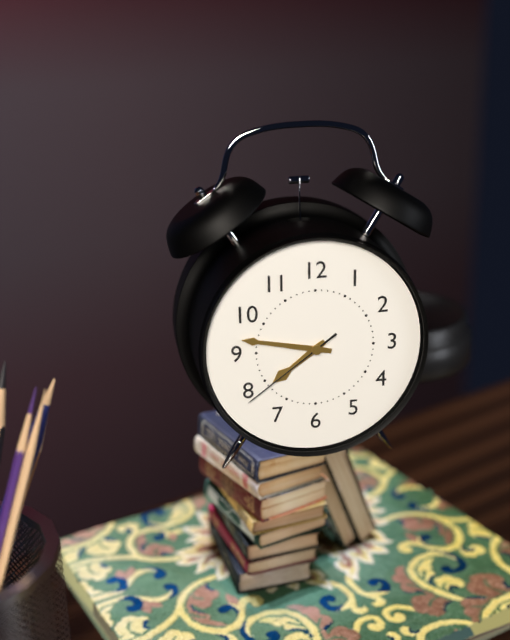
7:47:39
